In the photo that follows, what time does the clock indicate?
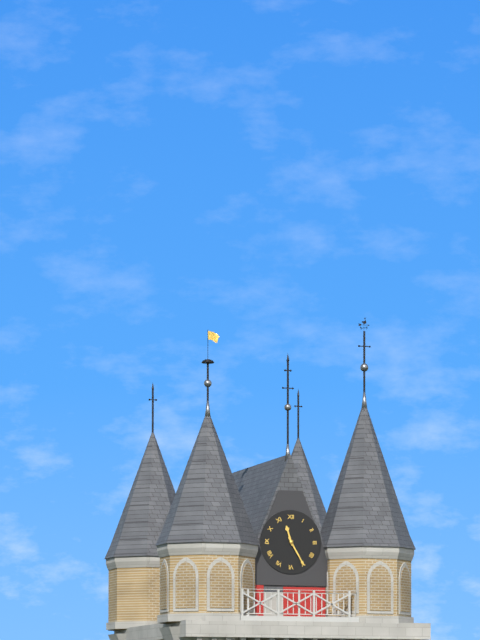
11:25
